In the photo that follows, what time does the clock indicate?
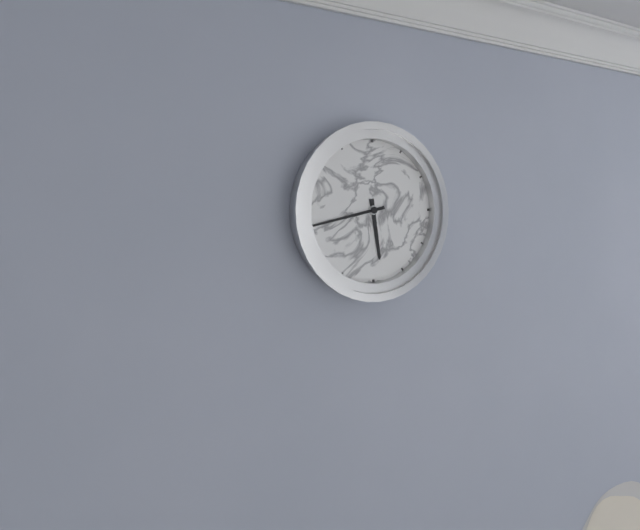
5:43
